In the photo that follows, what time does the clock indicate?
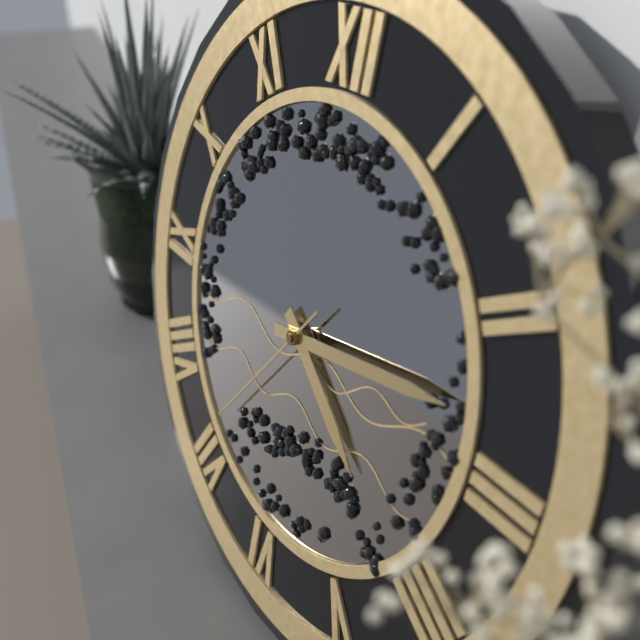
4:13:36
